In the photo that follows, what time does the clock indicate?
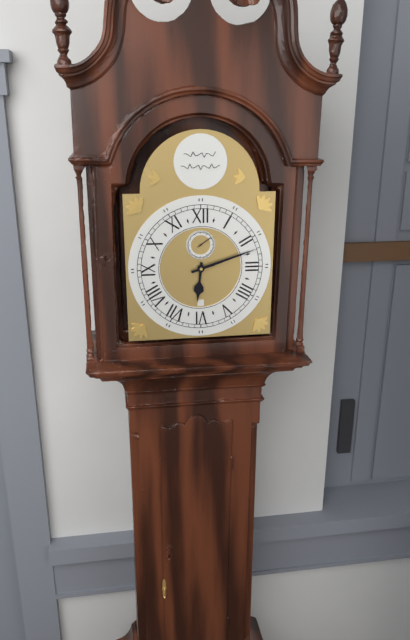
6:12
